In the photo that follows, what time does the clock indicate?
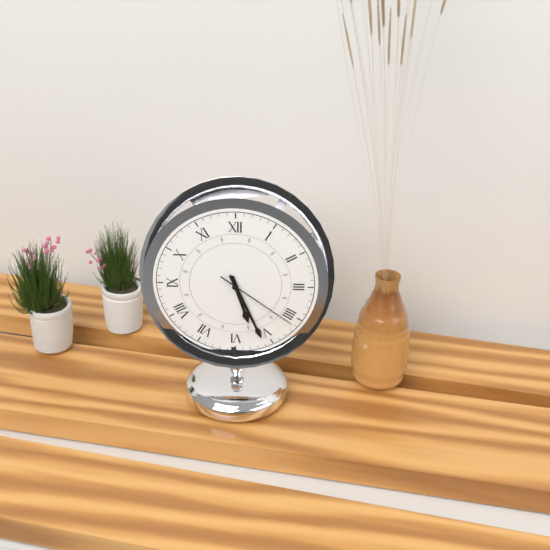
5:26:21
